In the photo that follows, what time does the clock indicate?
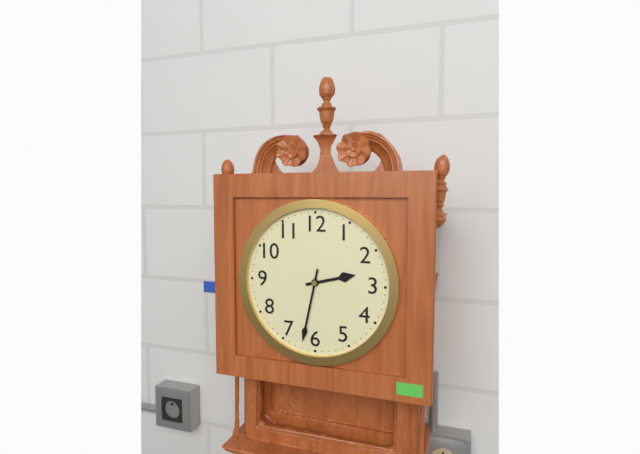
2:32
